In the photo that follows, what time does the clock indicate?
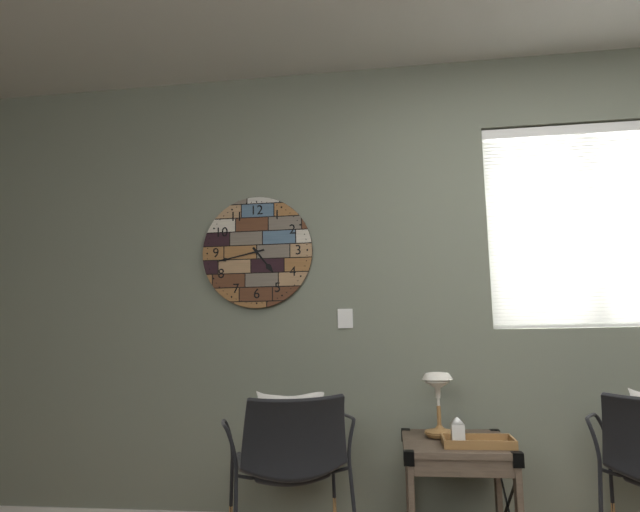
4:43
